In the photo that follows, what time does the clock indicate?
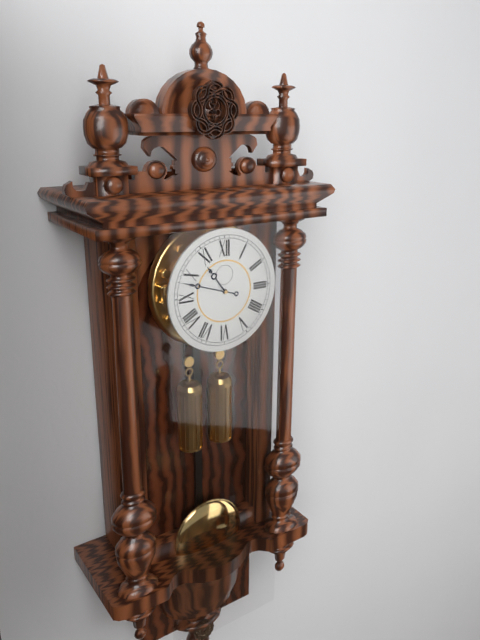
10:48
